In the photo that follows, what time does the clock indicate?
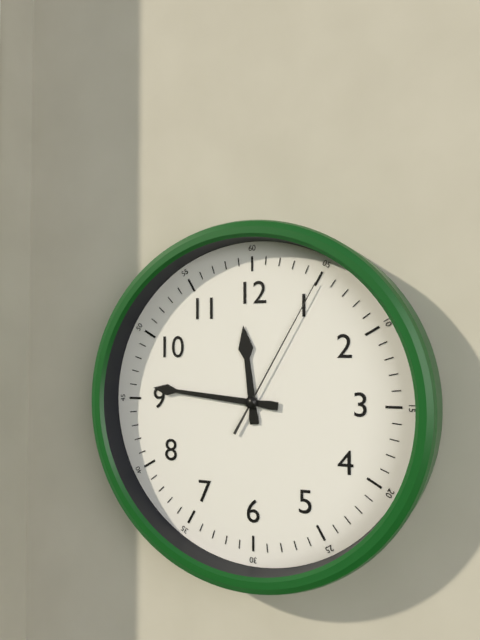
11:46:05
